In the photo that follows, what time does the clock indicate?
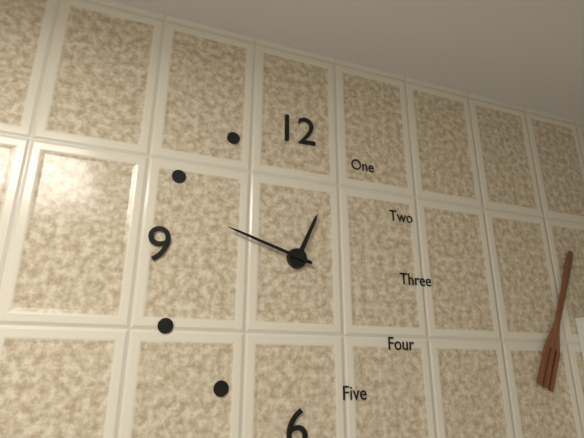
12:48
